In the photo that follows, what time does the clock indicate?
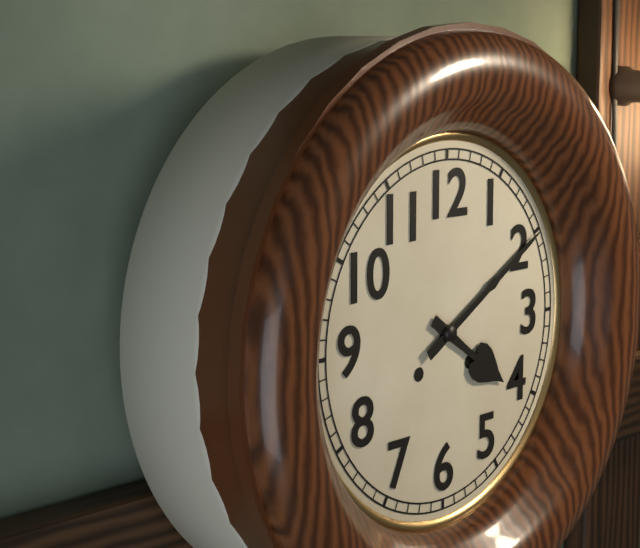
4:10
